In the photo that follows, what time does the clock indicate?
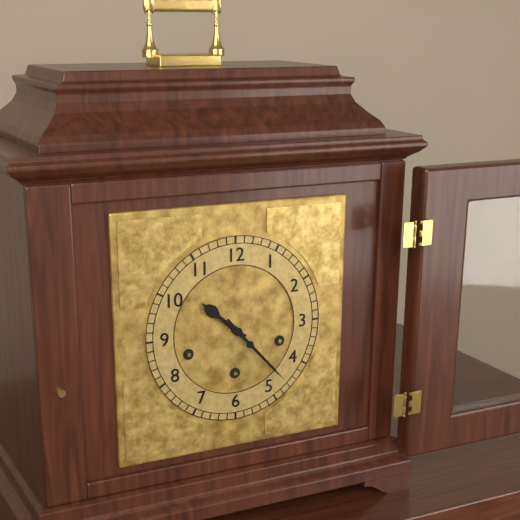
10:23
